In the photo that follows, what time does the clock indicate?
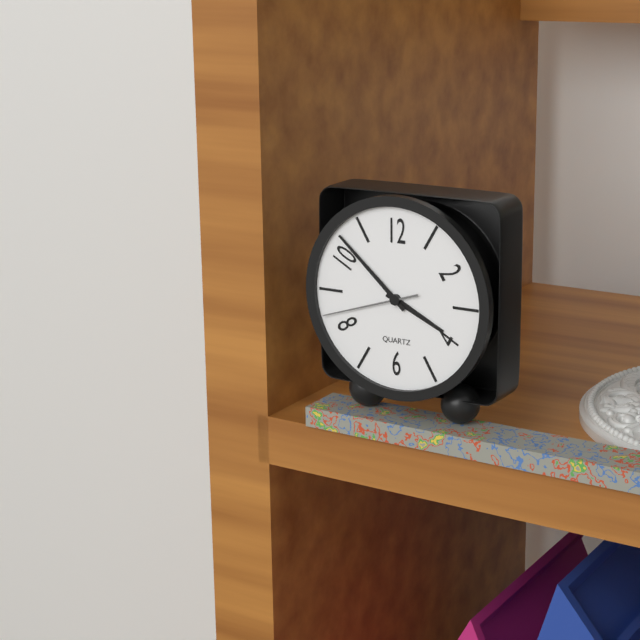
3:52:42
